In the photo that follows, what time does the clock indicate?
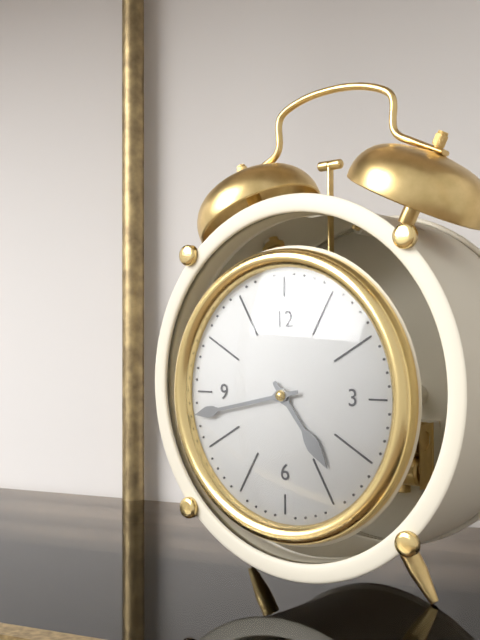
4:43
